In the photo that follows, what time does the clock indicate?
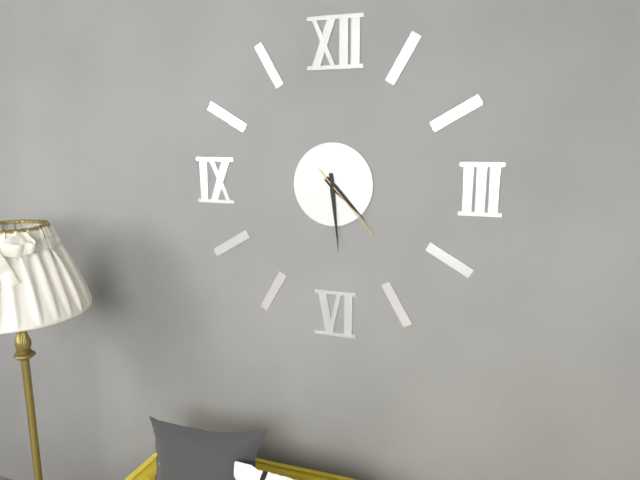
4:29:23
